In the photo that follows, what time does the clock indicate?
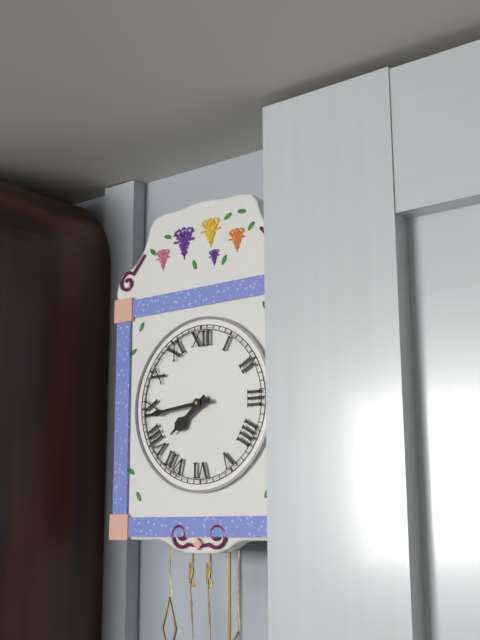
7:44
